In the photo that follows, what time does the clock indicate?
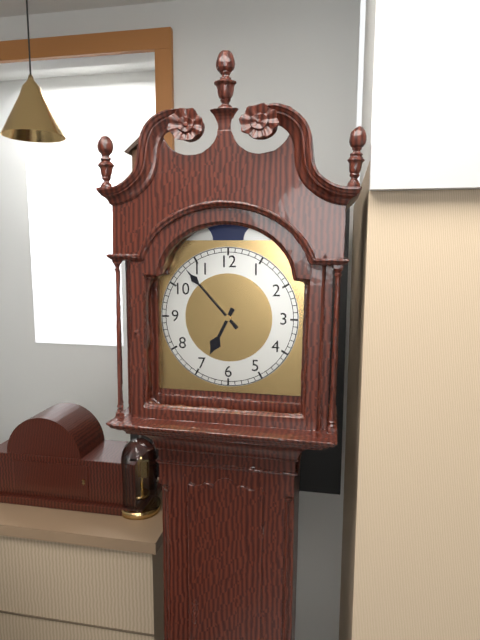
6:53
